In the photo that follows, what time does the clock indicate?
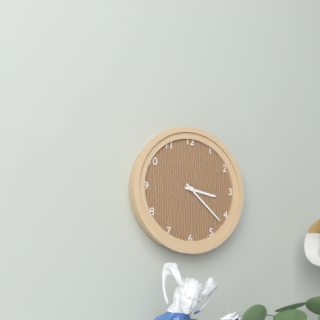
3:22
